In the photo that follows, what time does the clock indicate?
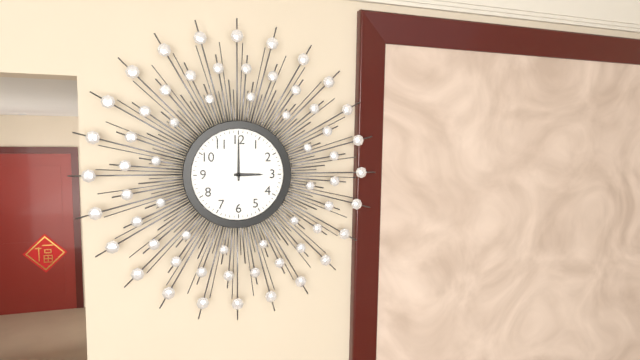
3:00
